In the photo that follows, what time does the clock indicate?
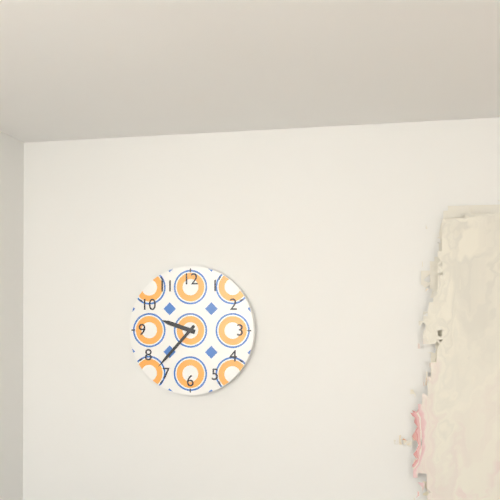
9:37
